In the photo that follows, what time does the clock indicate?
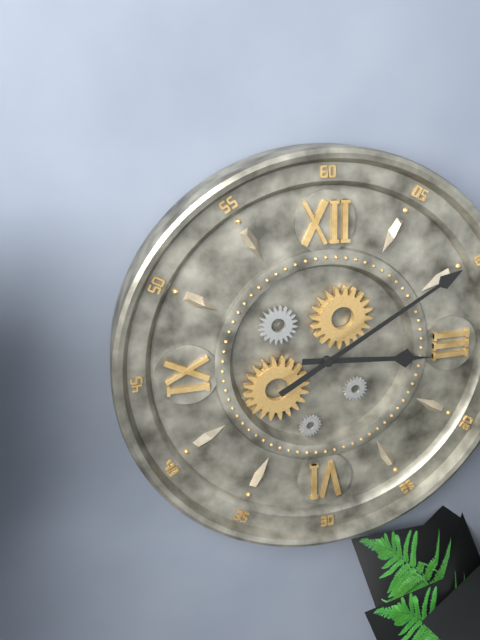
3:10
